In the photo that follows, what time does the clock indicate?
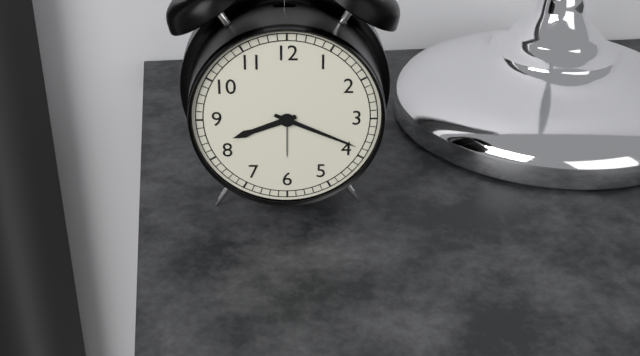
8:19
